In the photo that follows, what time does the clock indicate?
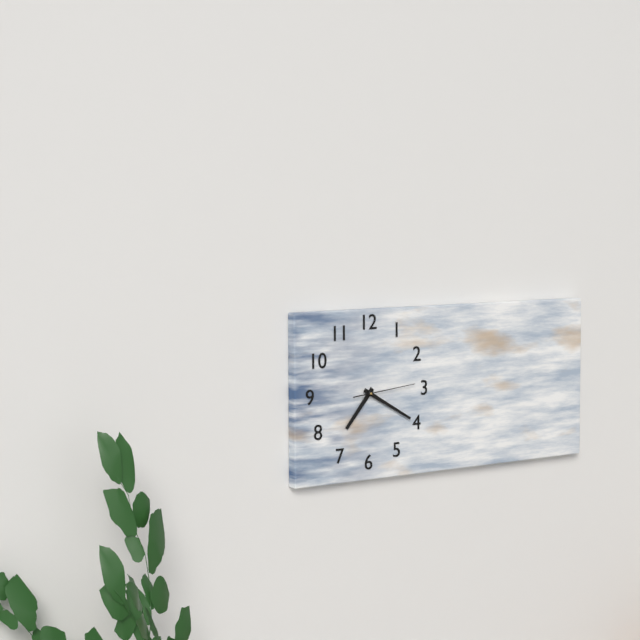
7:20:14
